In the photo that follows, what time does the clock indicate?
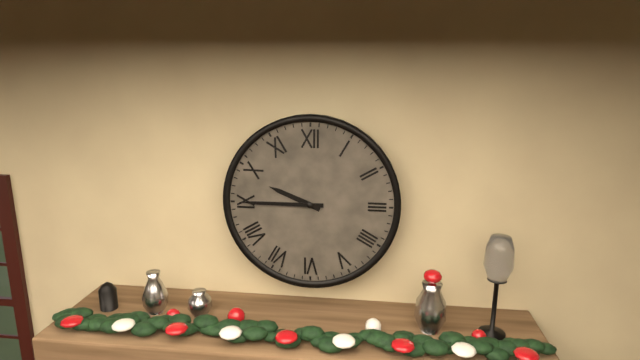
9:45
